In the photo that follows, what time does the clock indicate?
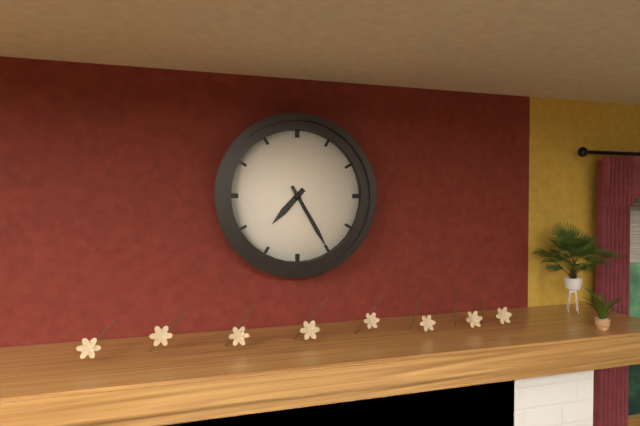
7:25
